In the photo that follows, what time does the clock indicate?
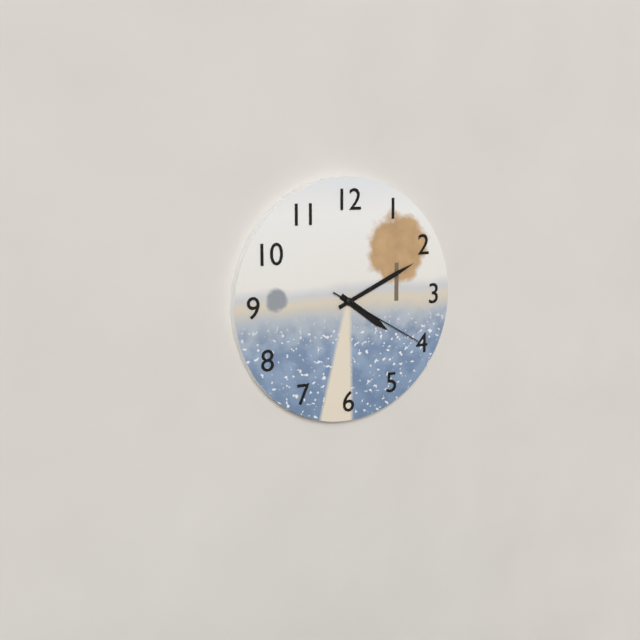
4:11:20
